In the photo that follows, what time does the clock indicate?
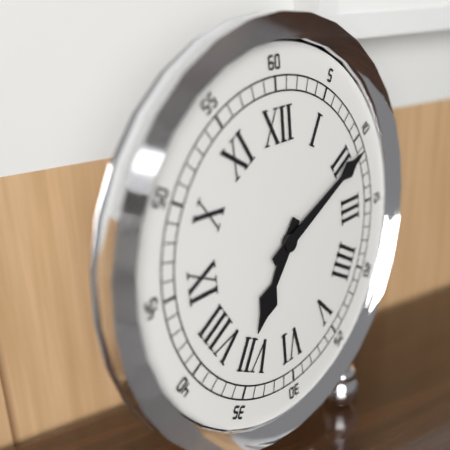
7:11
